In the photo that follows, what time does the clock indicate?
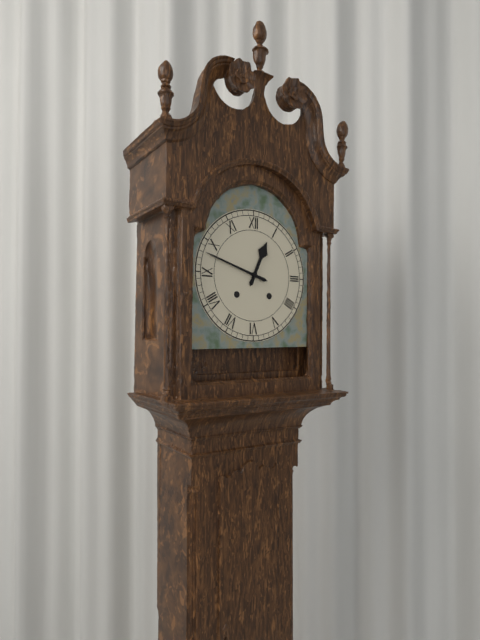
12:48
